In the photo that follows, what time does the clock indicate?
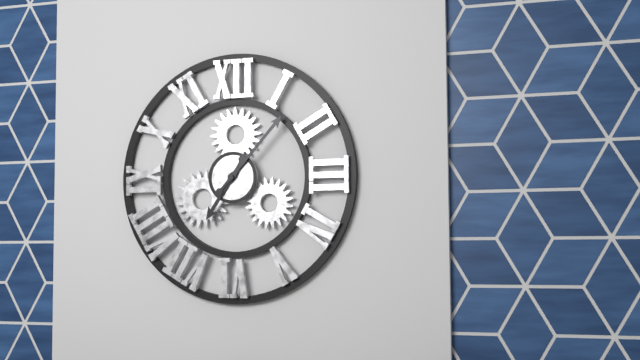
7:07
